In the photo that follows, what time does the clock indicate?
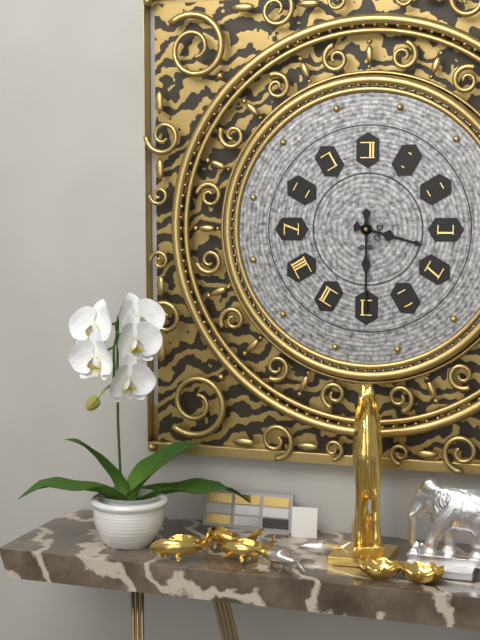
3:30
